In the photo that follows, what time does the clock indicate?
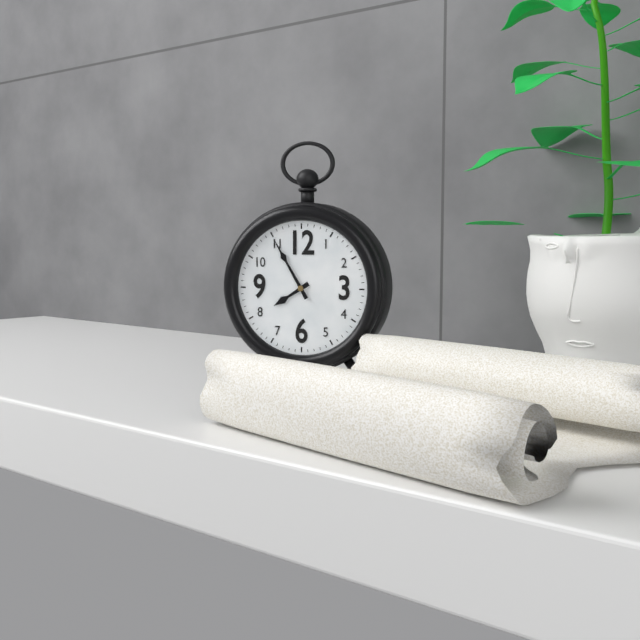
7:55
